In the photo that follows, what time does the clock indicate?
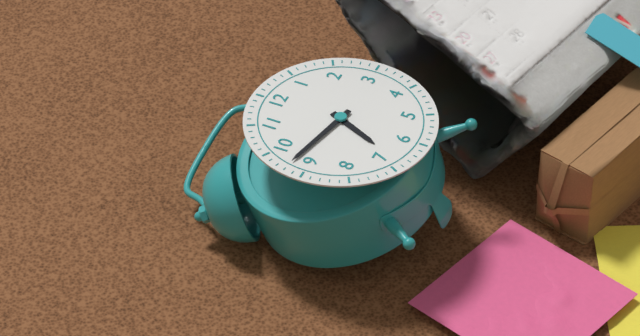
6:47
